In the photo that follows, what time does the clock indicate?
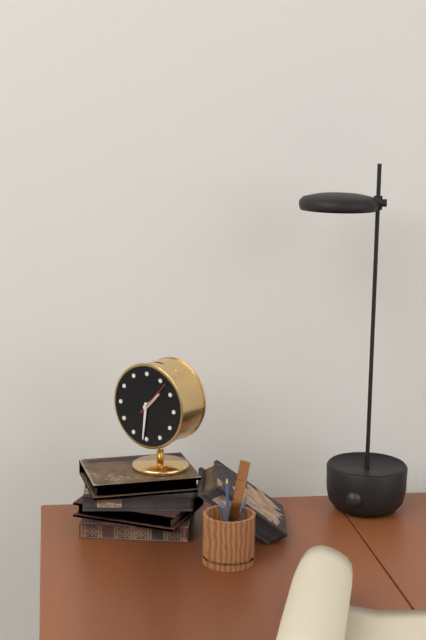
1:31
